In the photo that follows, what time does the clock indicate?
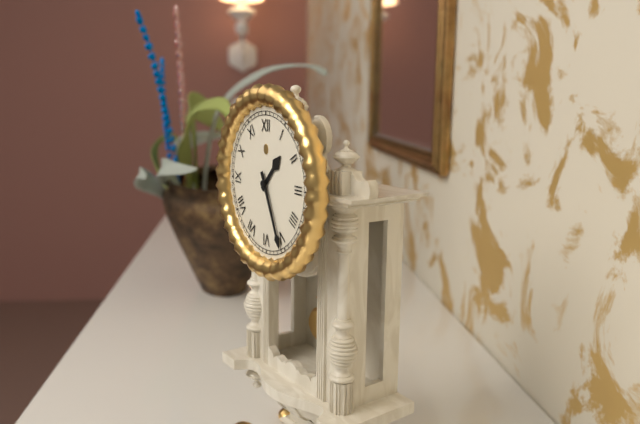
1:26
